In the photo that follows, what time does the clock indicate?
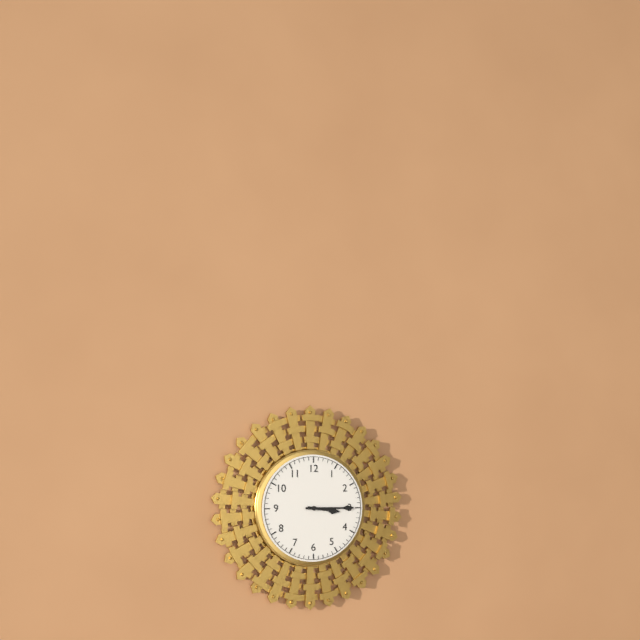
3:15
